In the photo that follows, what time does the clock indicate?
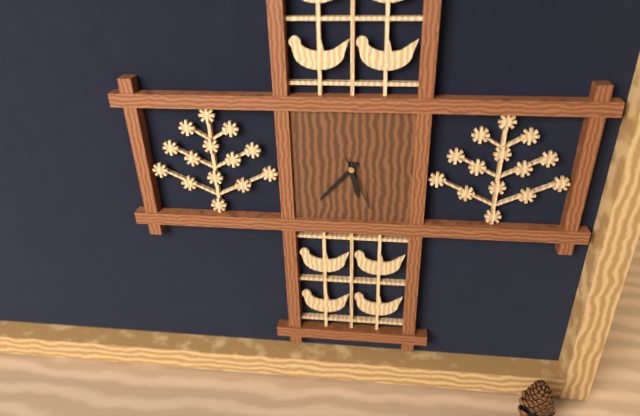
5:37:26
